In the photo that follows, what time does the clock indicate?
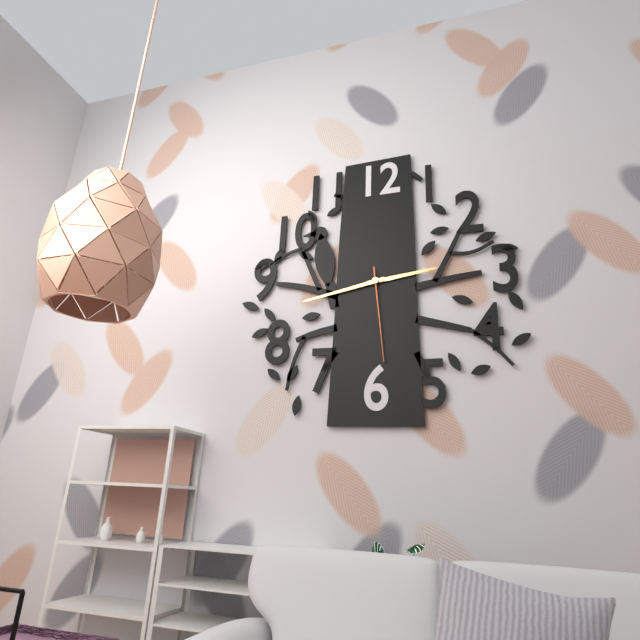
2:43:29
